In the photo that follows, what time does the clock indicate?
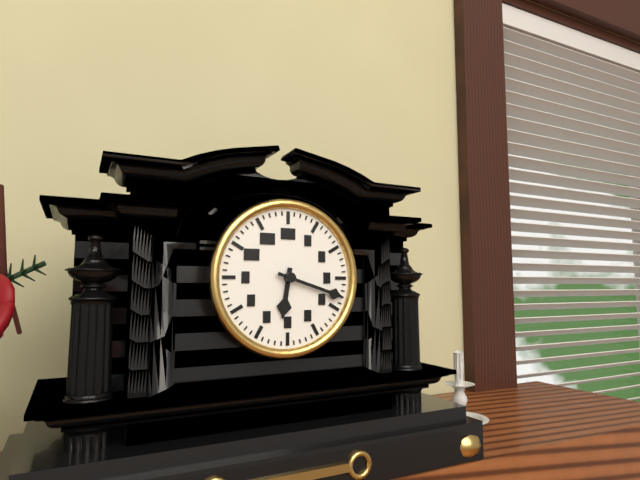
6:18
